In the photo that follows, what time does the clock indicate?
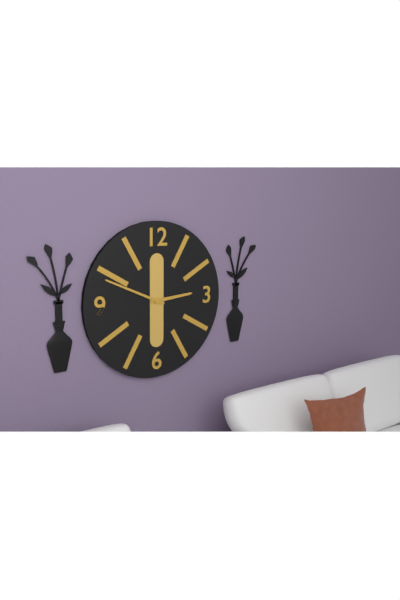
2:49
